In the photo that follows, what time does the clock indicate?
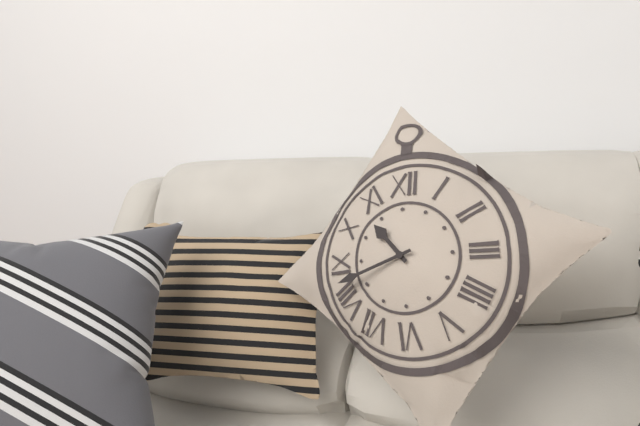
10:42
